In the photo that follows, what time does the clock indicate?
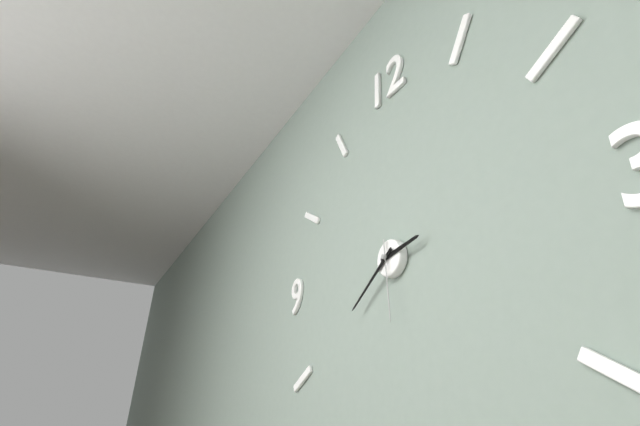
2:39:29
